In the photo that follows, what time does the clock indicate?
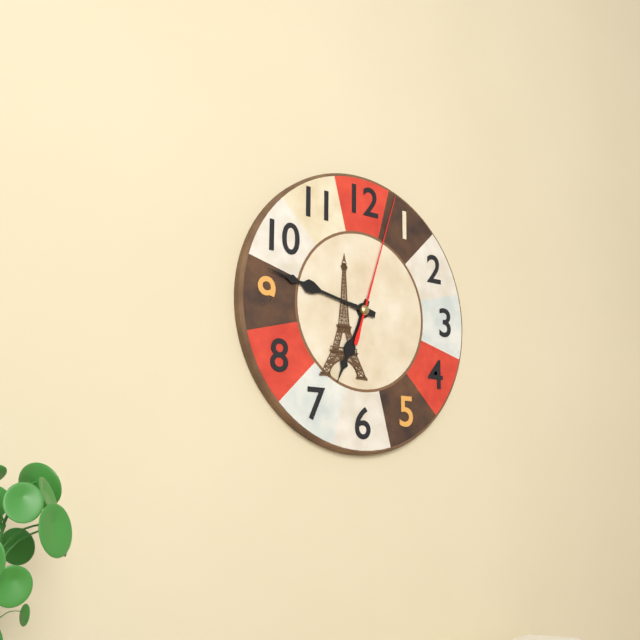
6:47:03
